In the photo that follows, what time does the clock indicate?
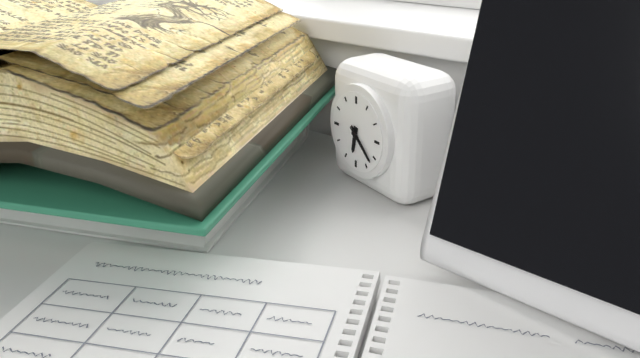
6:22
